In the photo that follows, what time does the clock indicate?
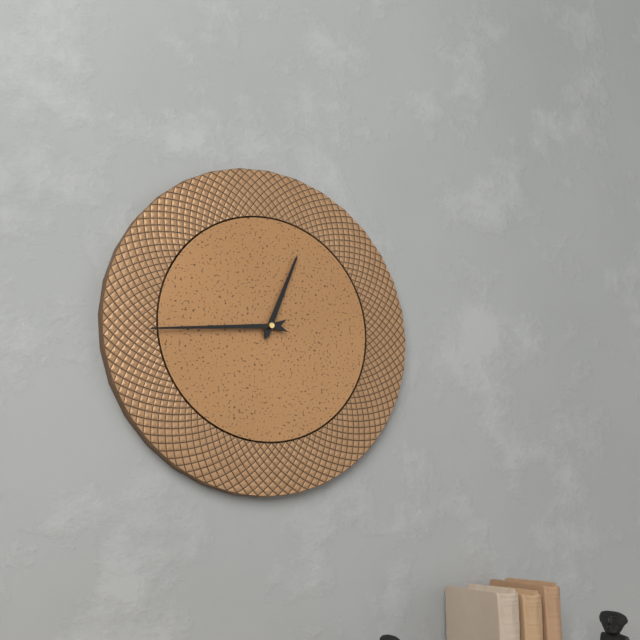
12:44
